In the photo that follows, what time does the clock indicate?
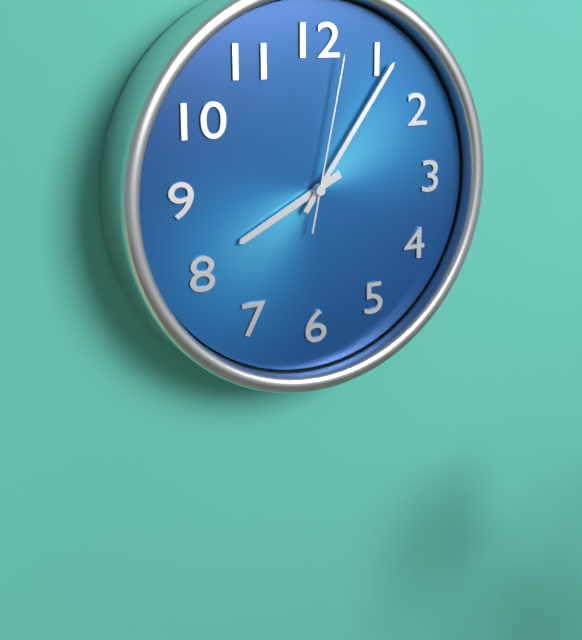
8:06:02
